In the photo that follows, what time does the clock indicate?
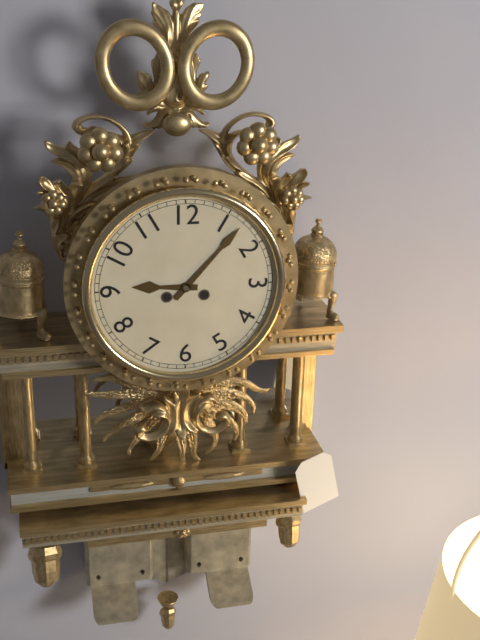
9:07
